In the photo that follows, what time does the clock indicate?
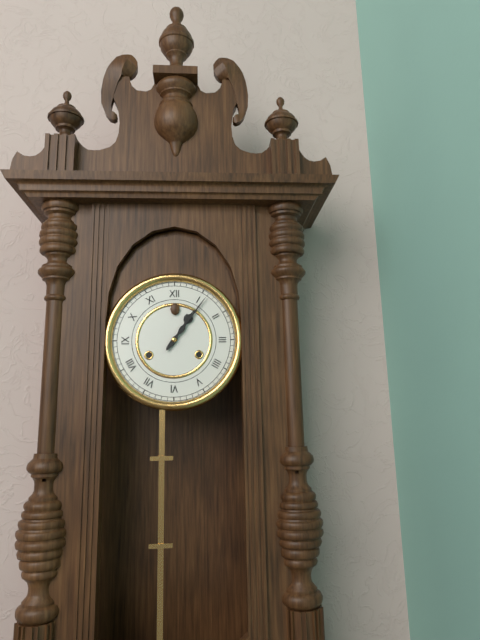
1:06
